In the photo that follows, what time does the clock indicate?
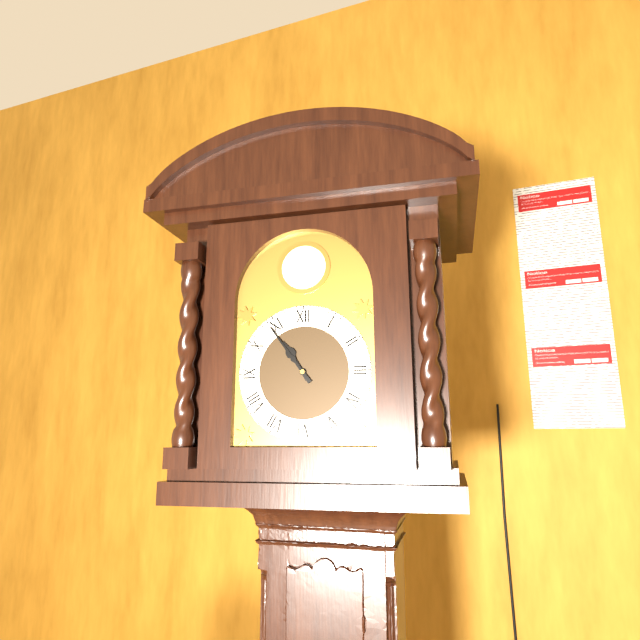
10:54
